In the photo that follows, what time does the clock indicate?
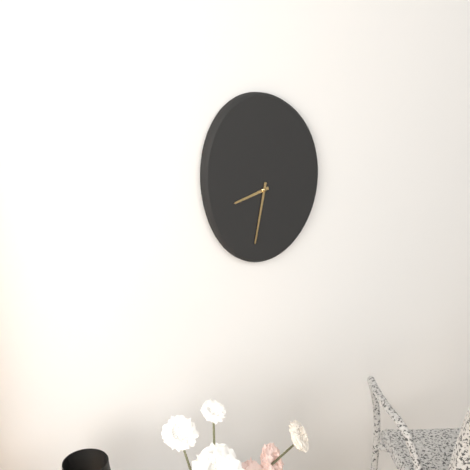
8:32
